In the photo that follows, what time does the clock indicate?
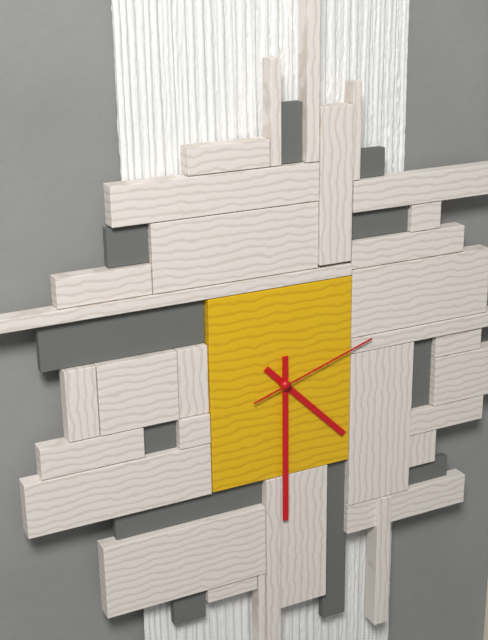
4:30:12
